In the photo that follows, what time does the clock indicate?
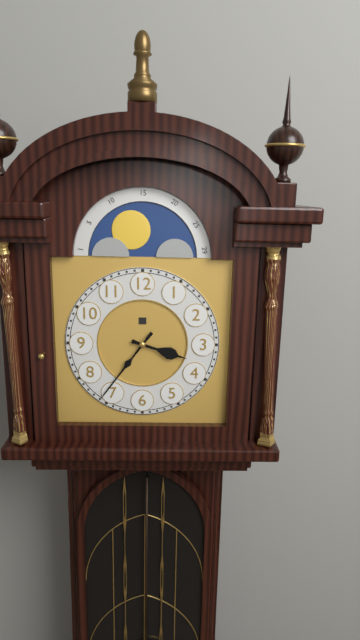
3:36
